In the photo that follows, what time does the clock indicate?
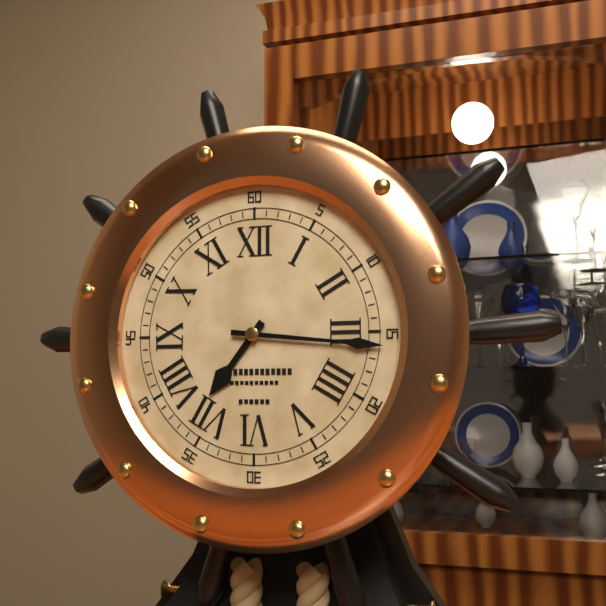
7:16
